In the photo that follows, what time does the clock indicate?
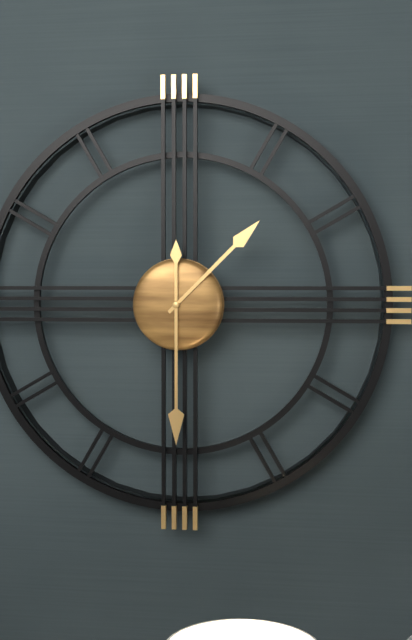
1:30
